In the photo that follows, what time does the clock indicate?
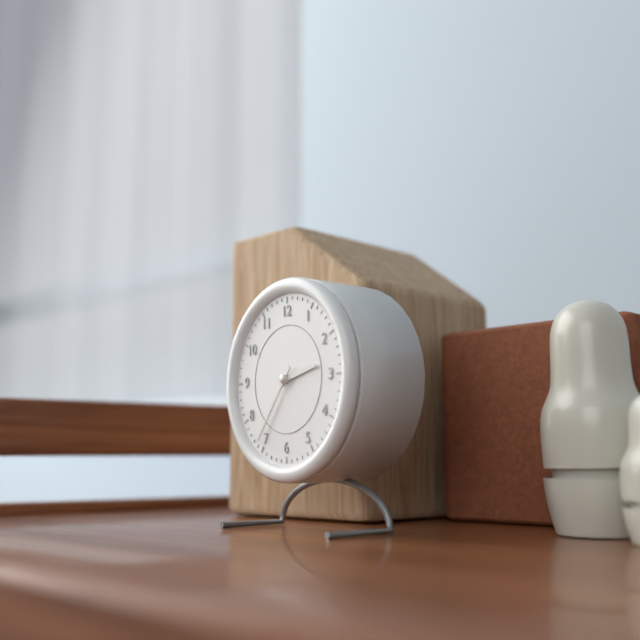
2:36
